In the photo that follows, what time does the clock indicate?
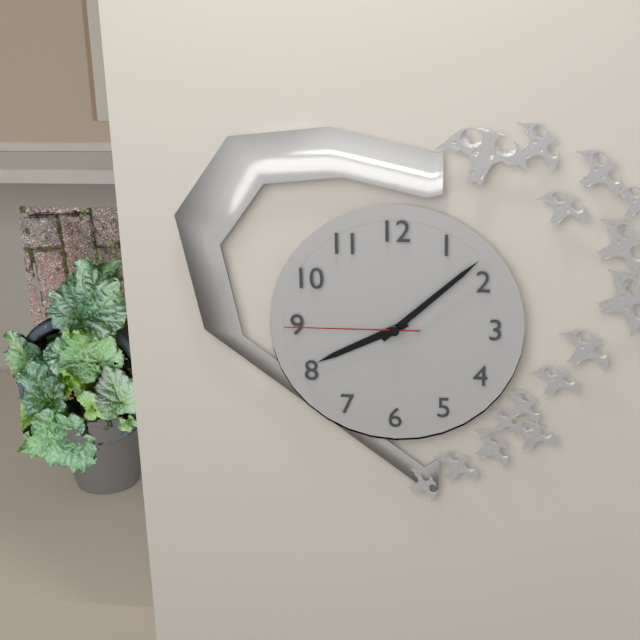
8:08:45
